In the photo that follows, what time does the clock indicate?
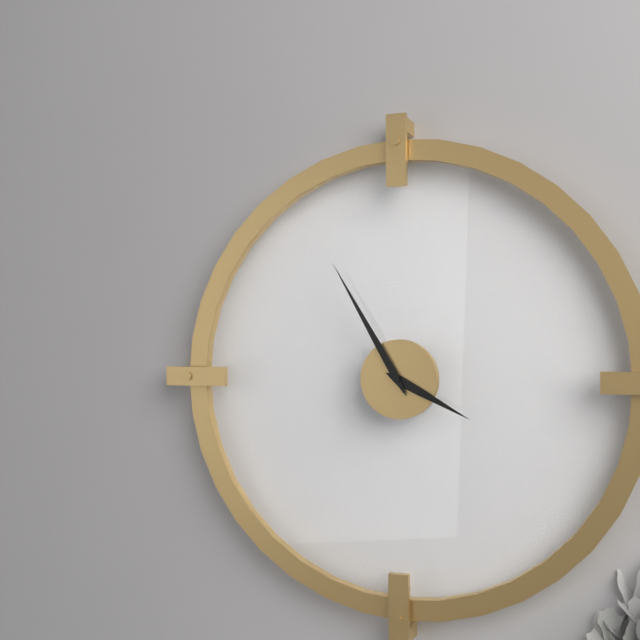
3:55
